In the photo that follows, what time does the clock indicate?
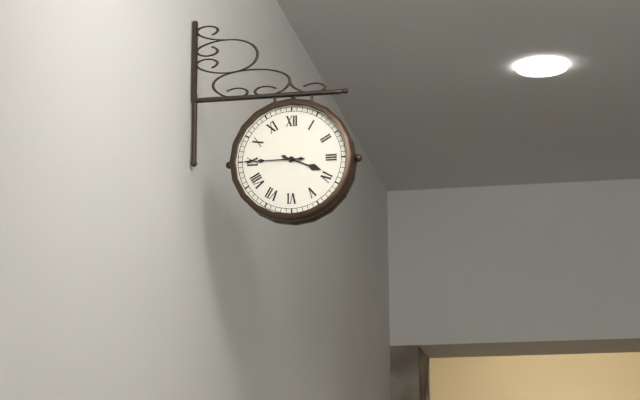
3:45
